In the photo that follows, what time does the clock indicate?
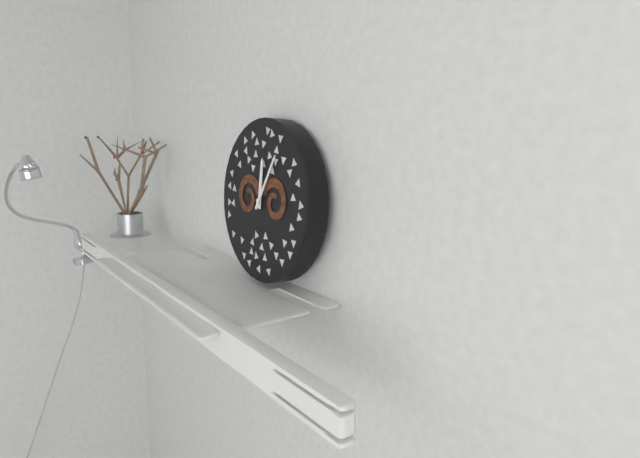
12:05
